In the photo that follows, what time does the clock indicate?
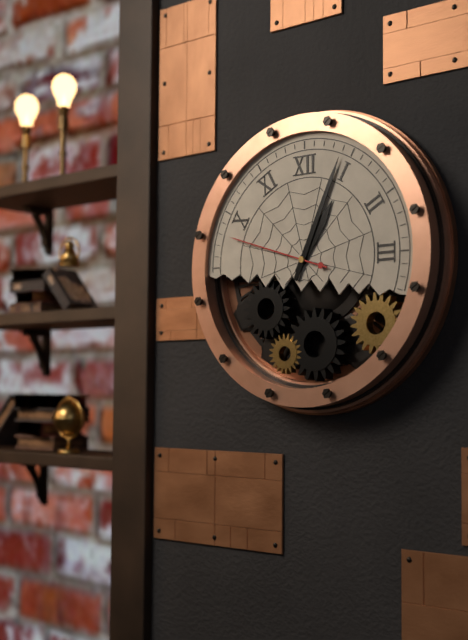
1:04:48
